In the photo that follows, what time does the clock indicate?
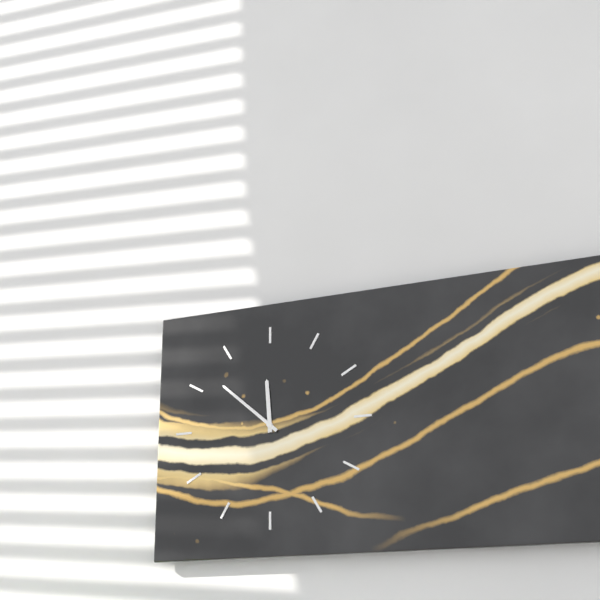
11:52
